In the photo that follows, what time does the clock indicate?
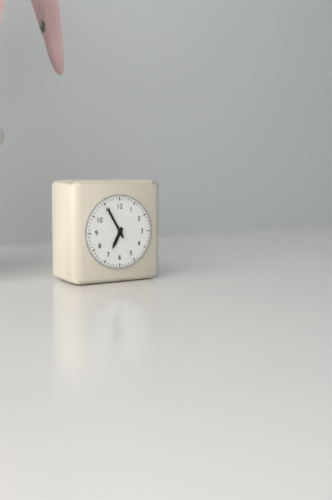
6:55
